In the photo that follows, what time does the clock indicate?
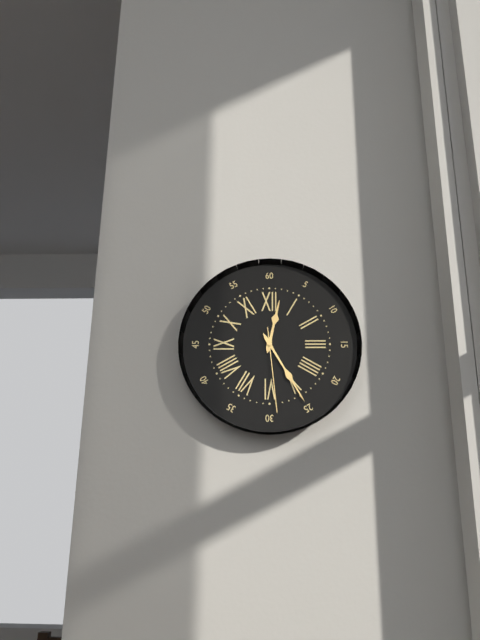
12:25:29
